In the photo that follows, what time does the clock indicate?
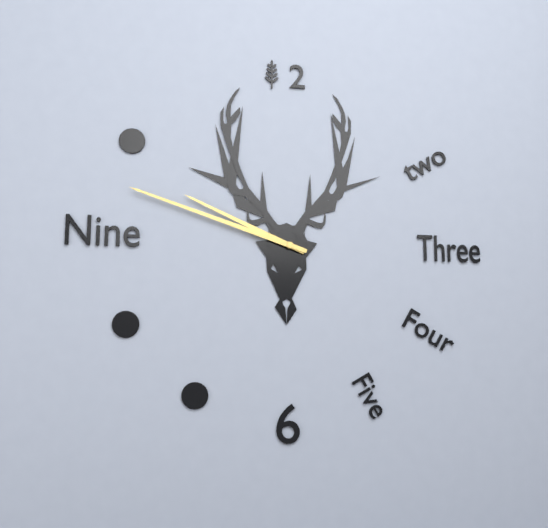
9:48
